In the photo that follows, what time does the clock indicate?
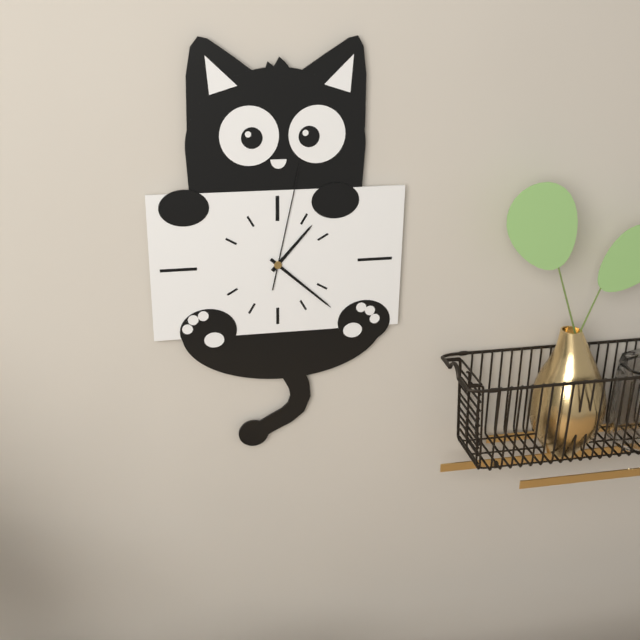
1:22:02
